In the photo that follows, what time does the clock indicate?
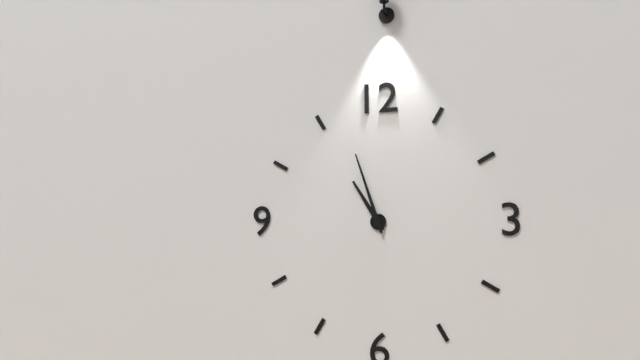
10:57
